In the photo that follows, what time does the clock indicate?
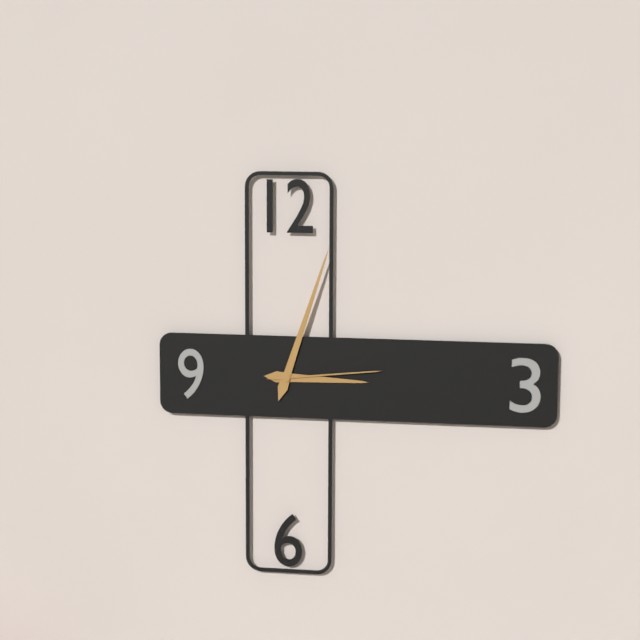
3:03:14
